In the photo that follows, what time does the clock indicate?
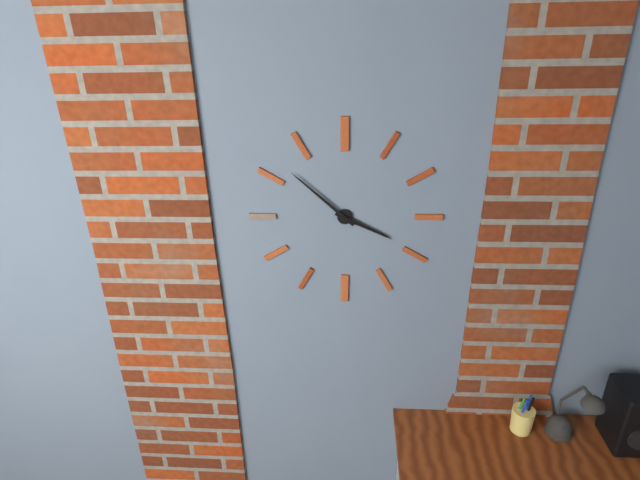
3:52
